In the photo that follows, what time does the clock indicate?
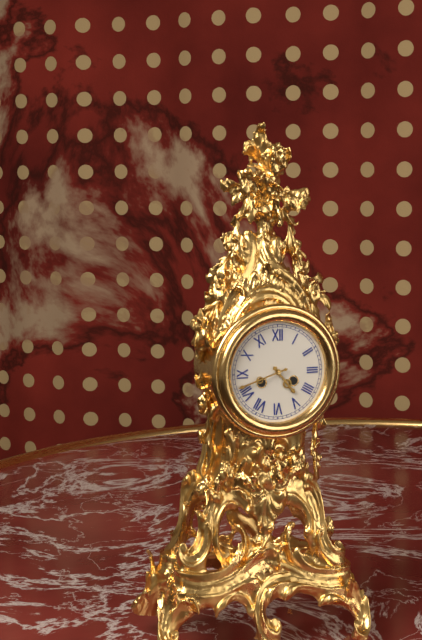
4:42
